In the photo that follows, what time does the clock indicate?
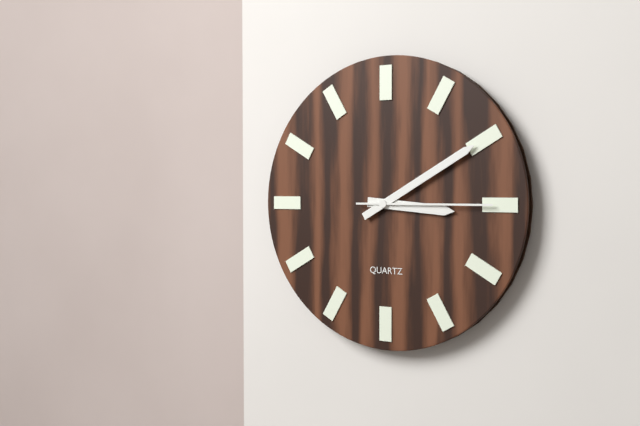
3:10:15
